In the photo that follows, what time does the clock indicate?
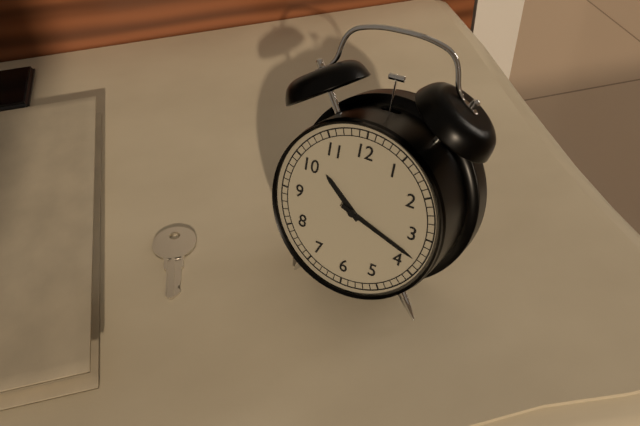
10:18
